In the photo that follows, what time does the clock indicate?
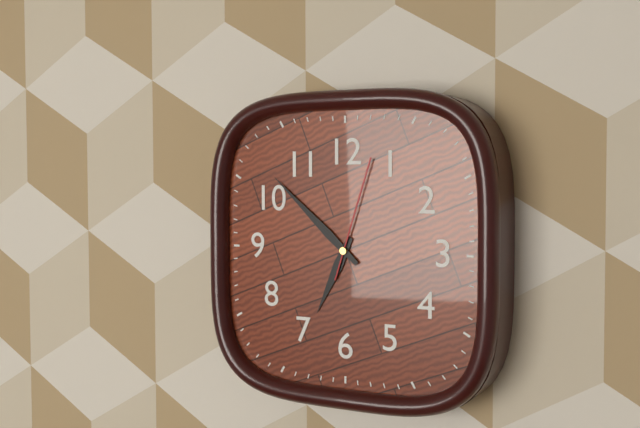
6:52:03
